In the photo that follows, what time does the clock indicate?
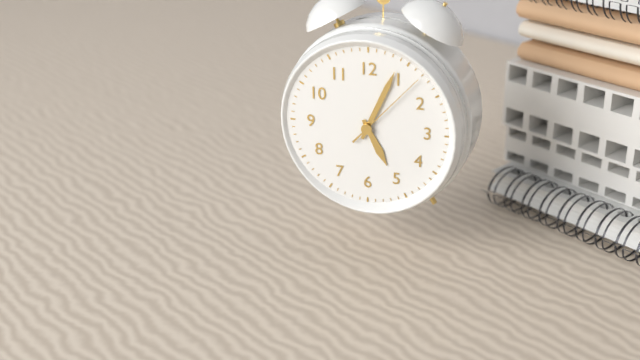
5:04:07
